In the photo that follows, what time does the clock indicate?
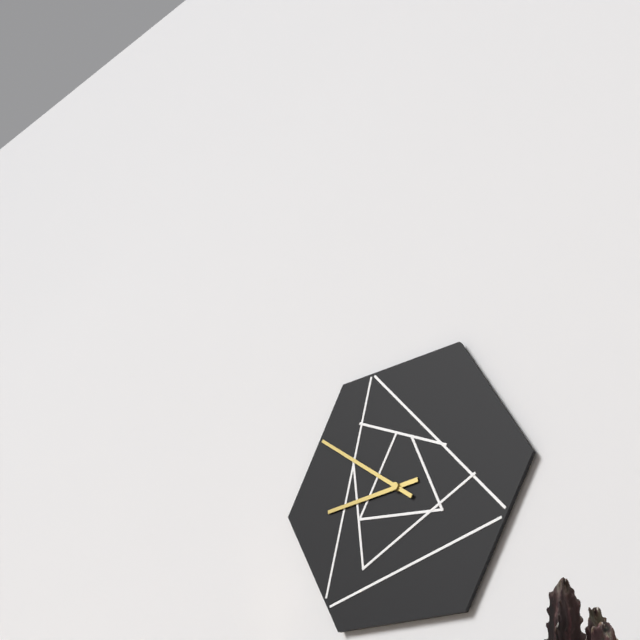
8:51
